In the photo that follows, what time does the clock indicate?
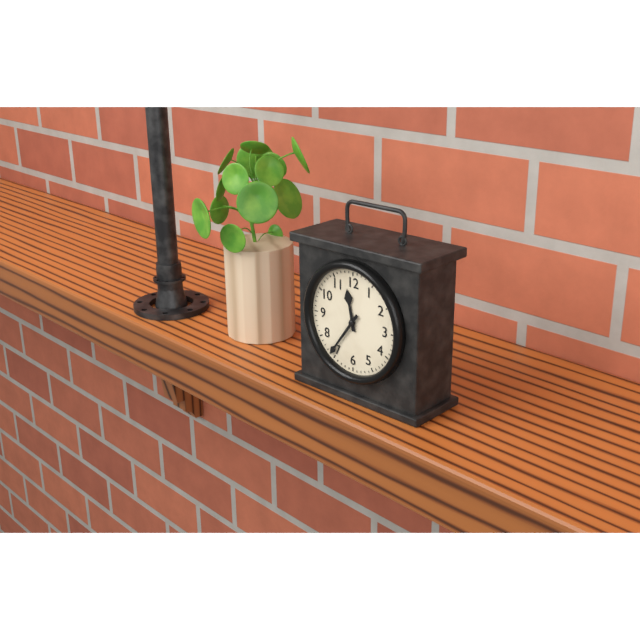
11:36
